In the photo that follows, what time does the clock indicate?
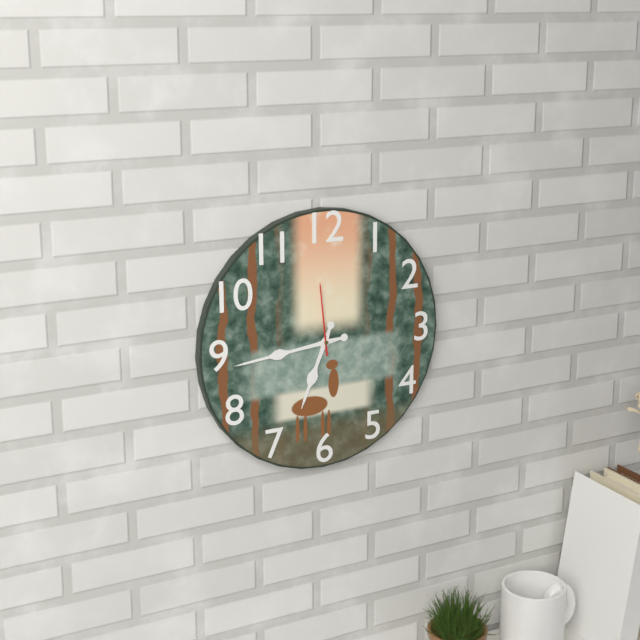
6:44:59
